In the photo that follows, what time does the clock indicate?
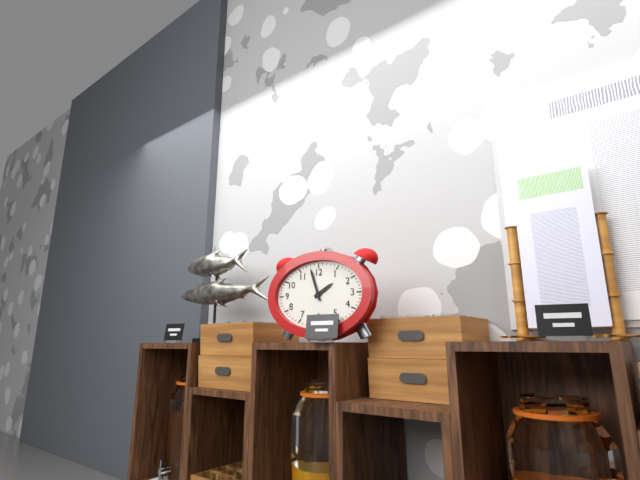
1:57
